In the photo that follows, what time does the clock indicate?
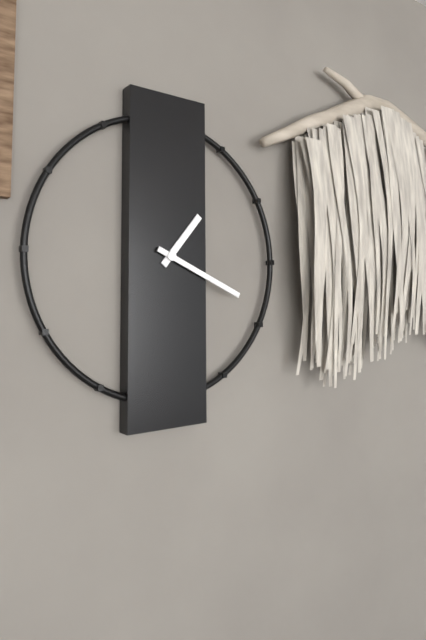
1:19
